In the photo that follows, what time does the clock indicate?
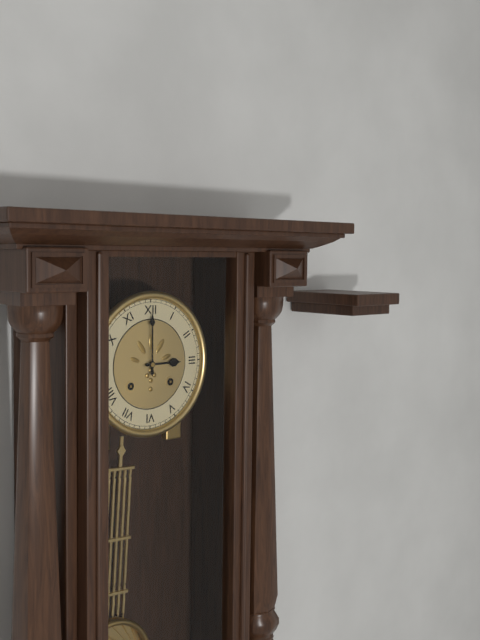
3:00
